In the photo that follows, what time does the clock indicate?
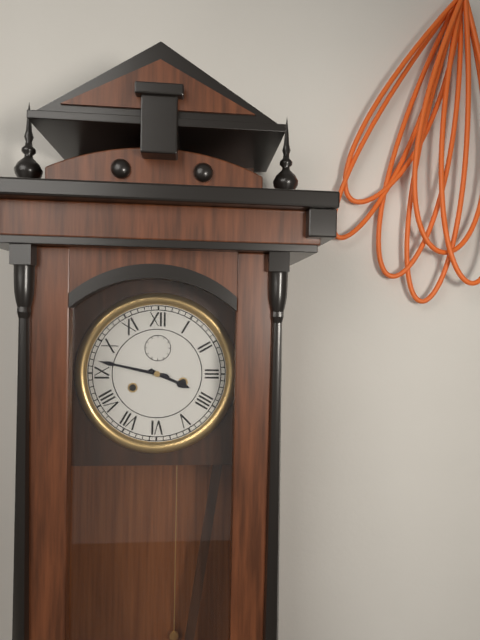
3:47
